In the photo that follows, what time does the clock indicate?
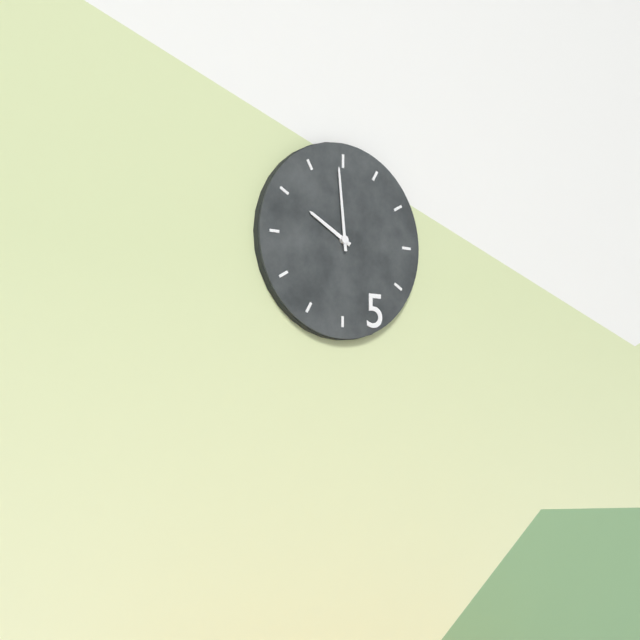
9:59
